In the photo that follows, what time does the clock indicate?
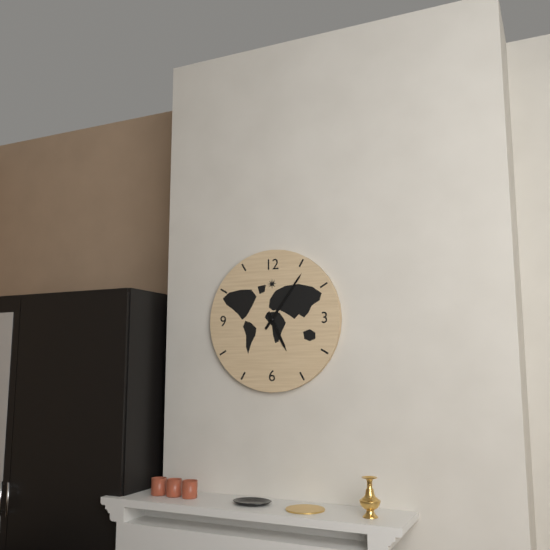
5:06
